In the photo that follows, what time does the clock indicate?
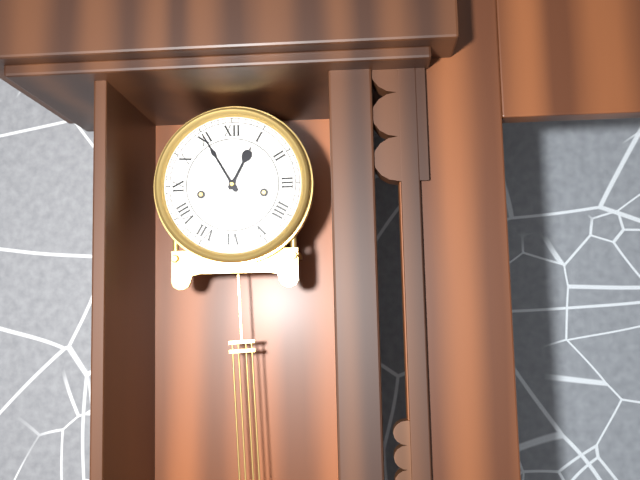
12:55
